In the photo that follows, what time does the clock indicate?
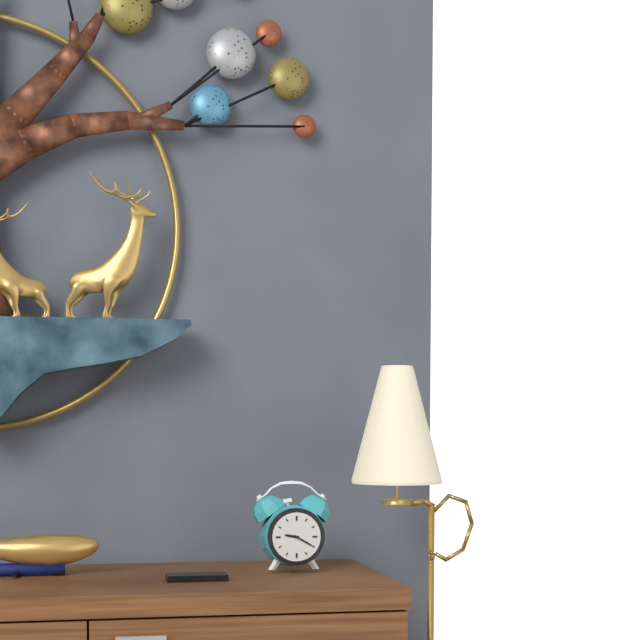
9:20
